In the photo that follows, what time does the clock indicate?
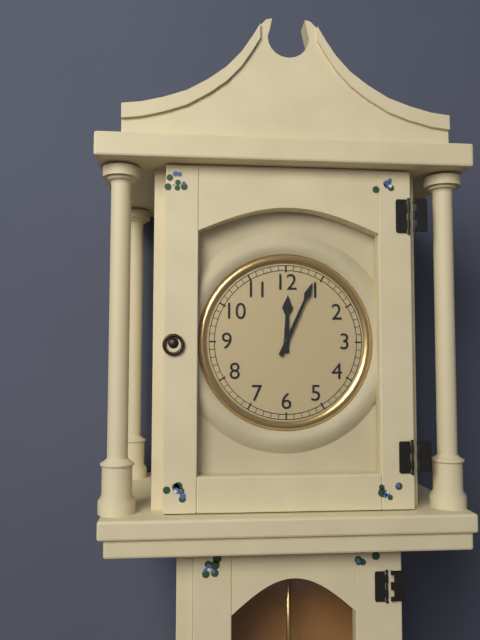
12:04
